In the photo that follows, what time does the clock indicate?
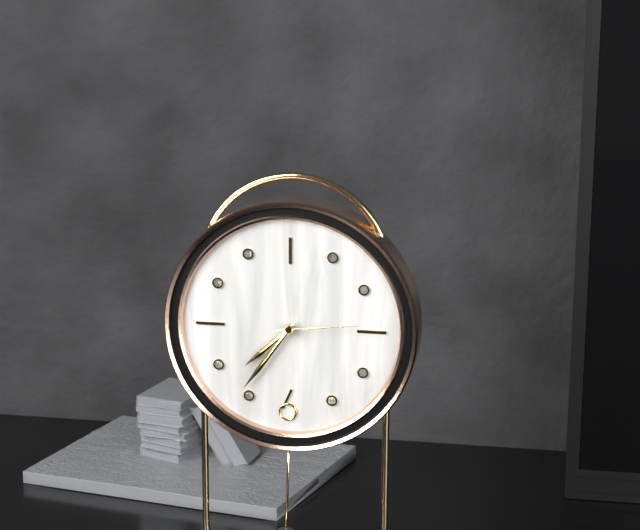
7:36:14
